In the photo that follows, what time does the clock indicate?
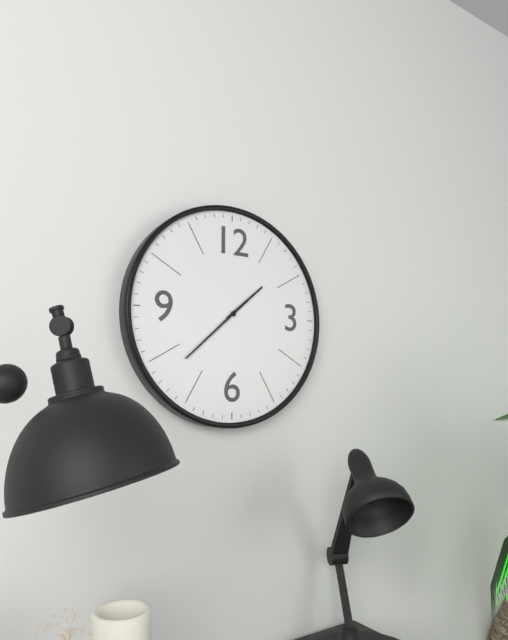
1:38
